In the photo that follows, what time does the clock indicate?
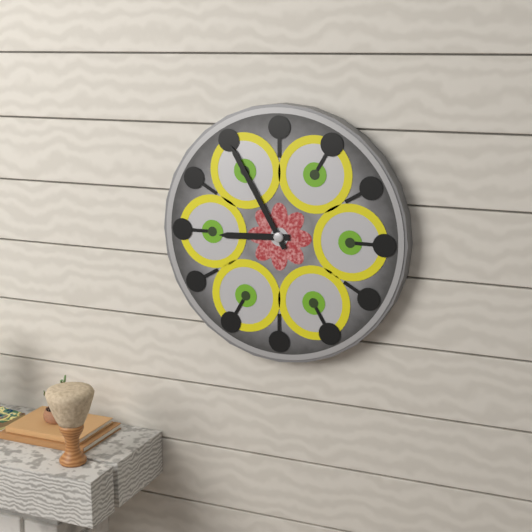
8:55
